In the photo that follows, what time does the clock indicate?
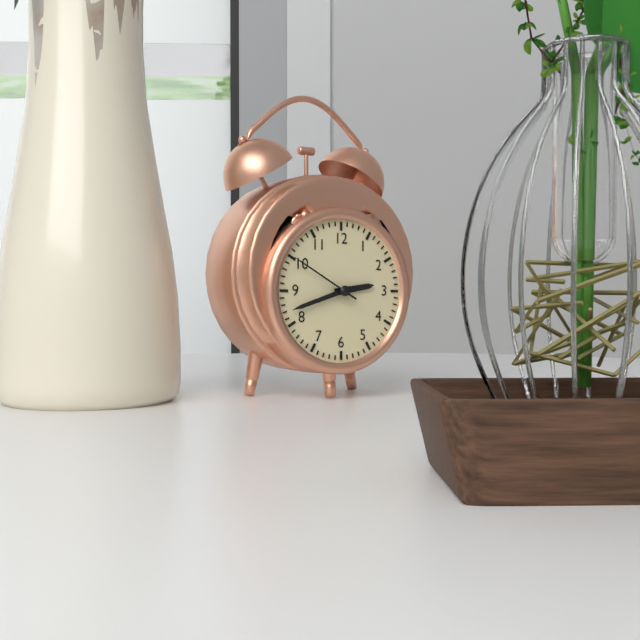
2:42:50
